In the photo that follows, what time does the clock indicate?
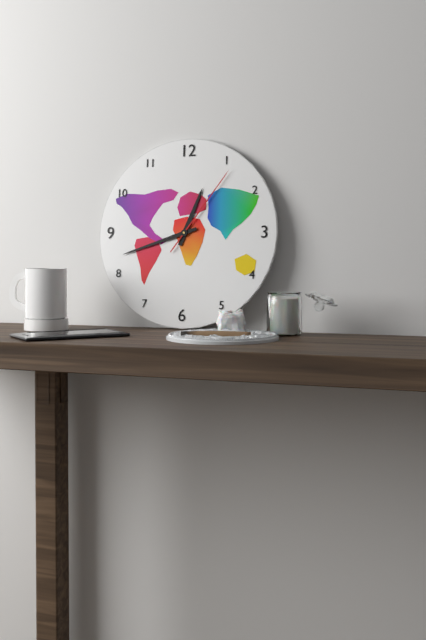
12:42:06
